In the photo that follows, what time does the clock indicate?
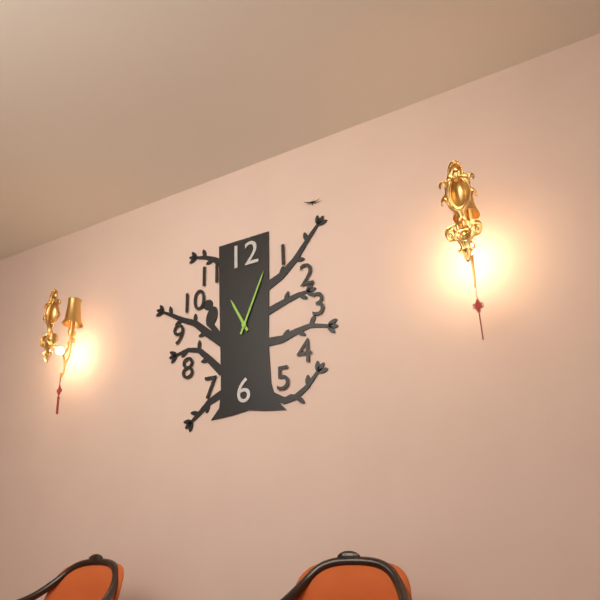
11:04
